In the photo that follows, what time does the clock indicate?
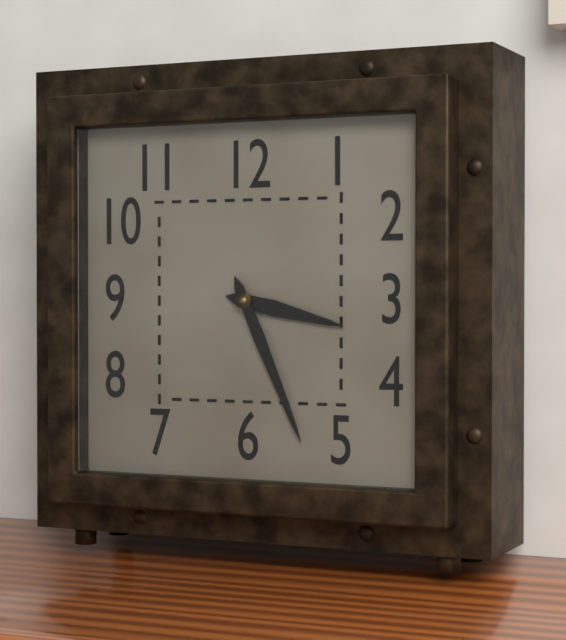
3:26
